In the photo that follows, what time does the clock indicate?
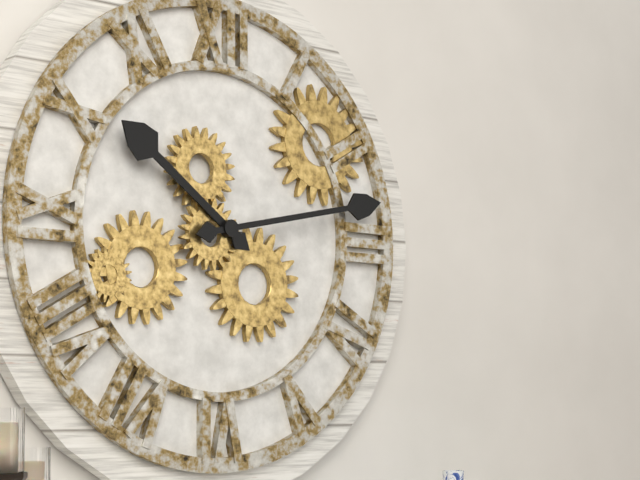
10:13
